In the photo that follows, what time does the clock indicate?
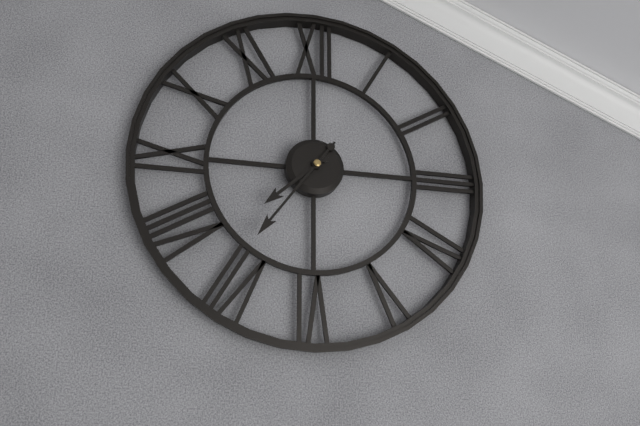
7:36
